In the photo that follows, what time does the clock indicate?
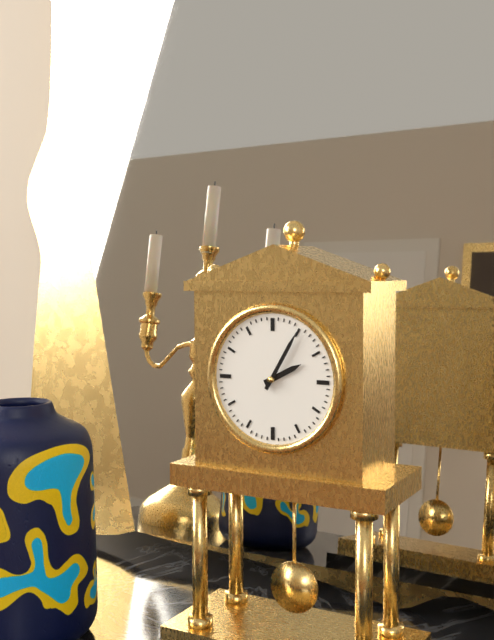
2:05
